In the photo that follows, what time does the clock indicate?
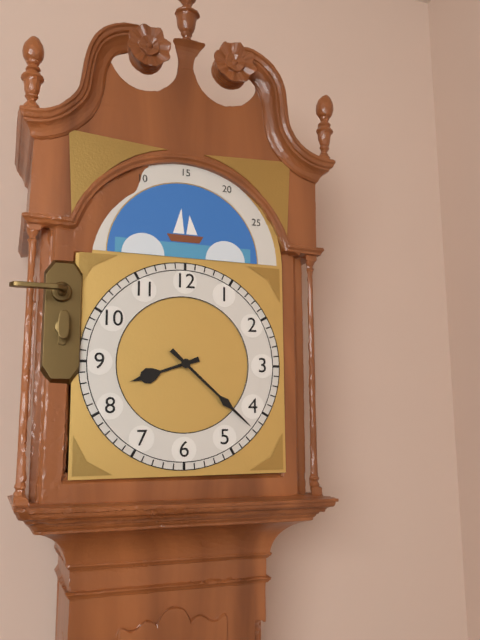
8:22
